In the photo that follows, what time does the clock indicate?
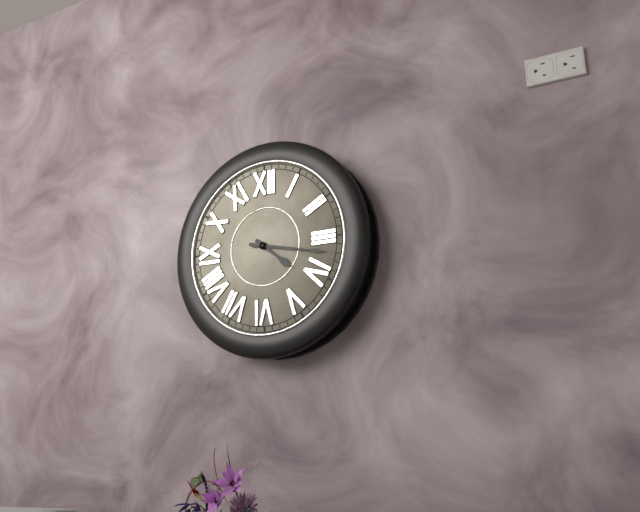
4:17
